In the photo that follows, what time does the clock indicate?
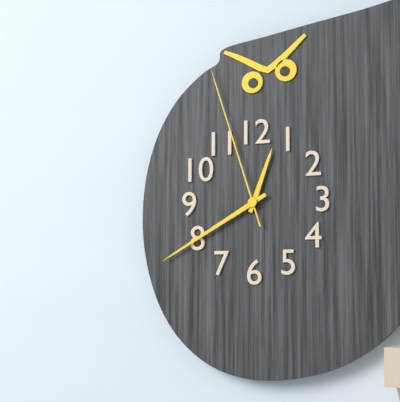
12:40:57
